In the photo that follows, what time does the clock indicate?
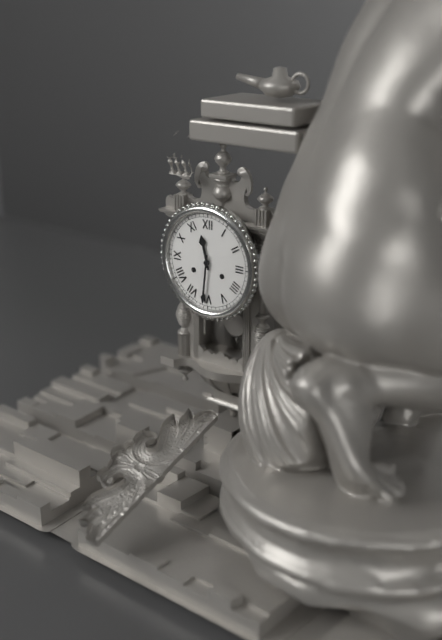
11:31
